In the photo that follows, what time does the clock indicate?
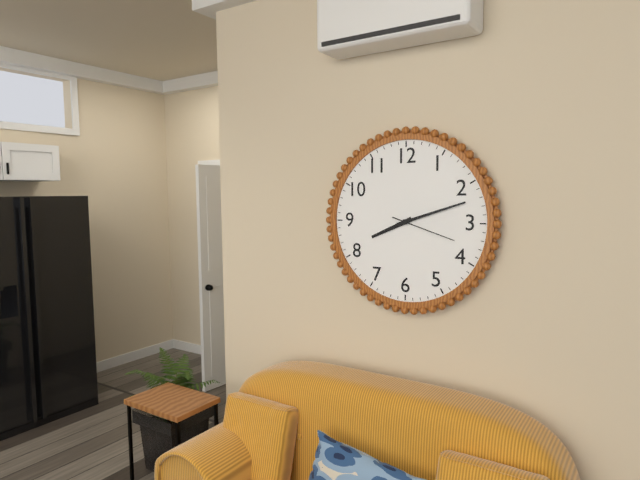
8:12:18
